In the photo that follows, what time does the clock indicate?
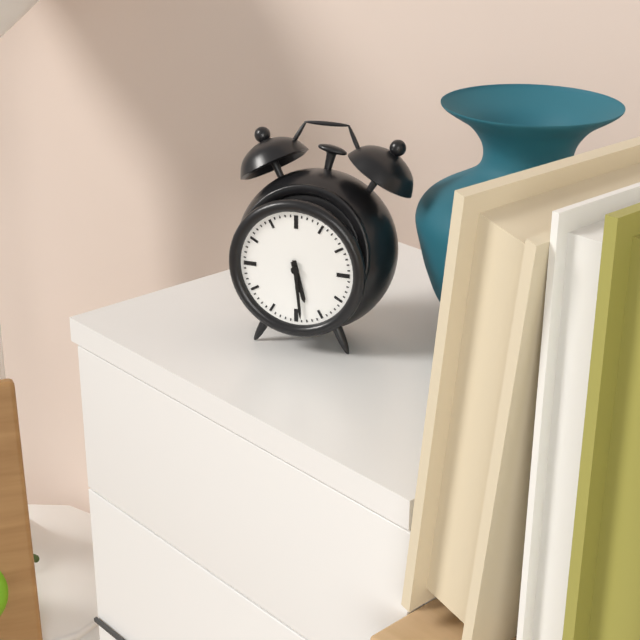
5:29
